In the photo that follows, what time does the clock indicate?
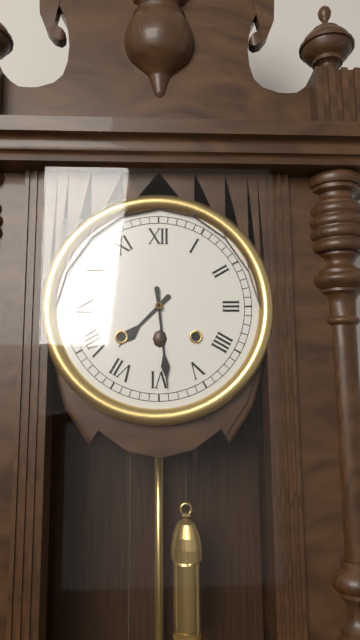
7:29
